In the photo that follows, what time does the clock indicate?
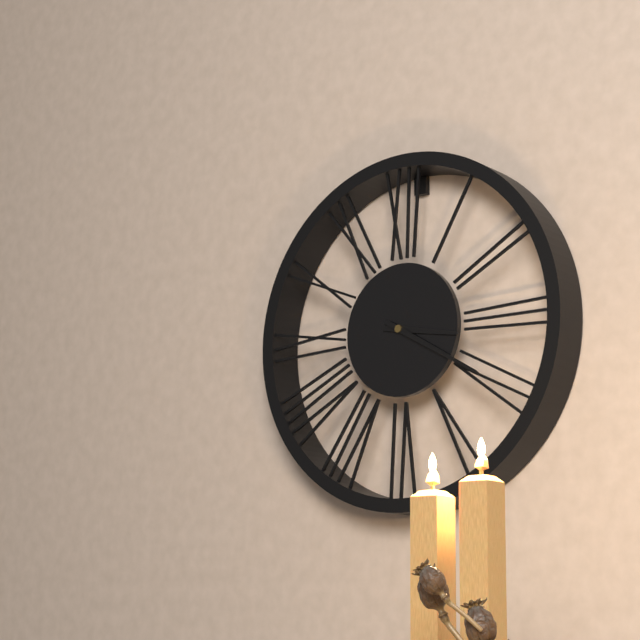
3:20
